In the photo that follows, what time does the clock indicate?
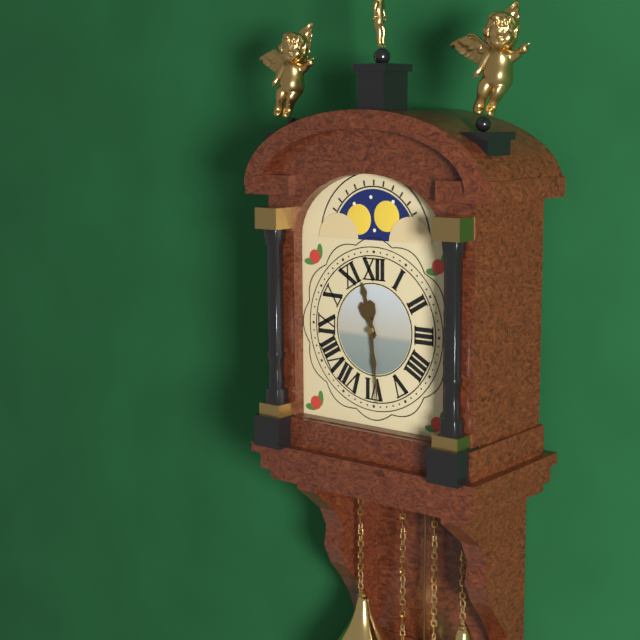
11:29
